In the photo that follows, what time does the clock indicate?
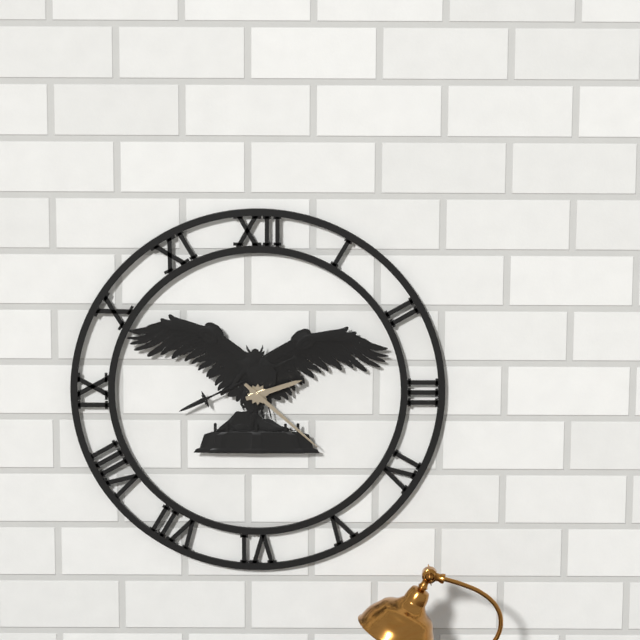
2:22
